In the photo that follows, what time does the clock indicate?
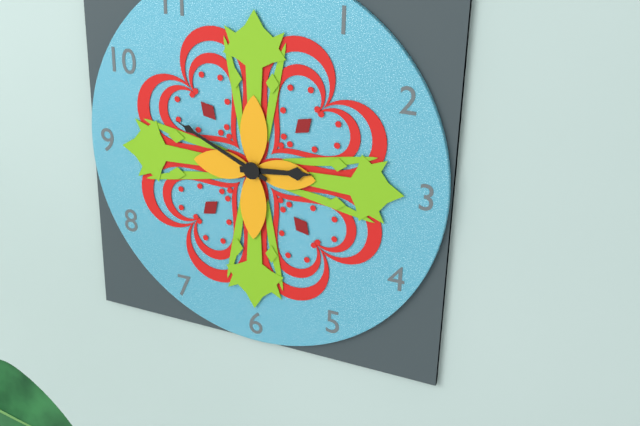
2:49
